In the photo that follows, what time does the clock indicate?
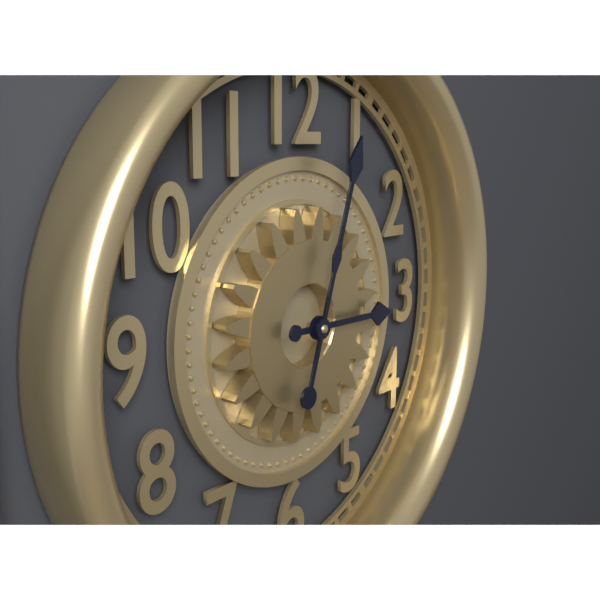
3:03
